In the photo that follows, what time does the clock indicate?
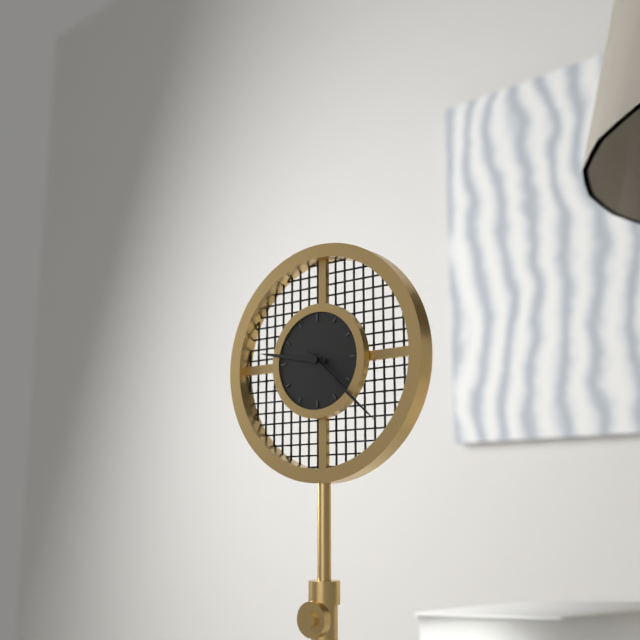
9:22
